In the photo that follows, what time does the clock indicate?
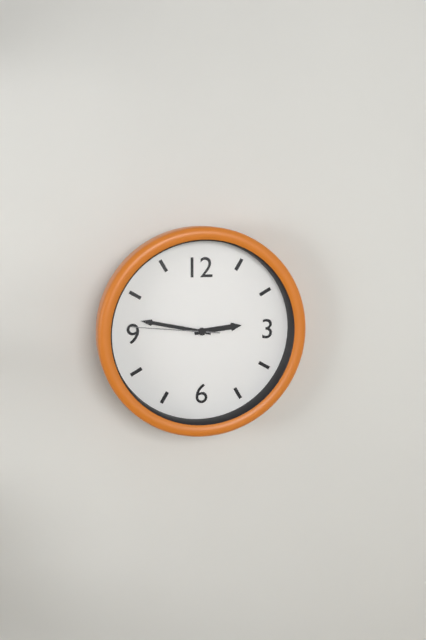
2:47:46
